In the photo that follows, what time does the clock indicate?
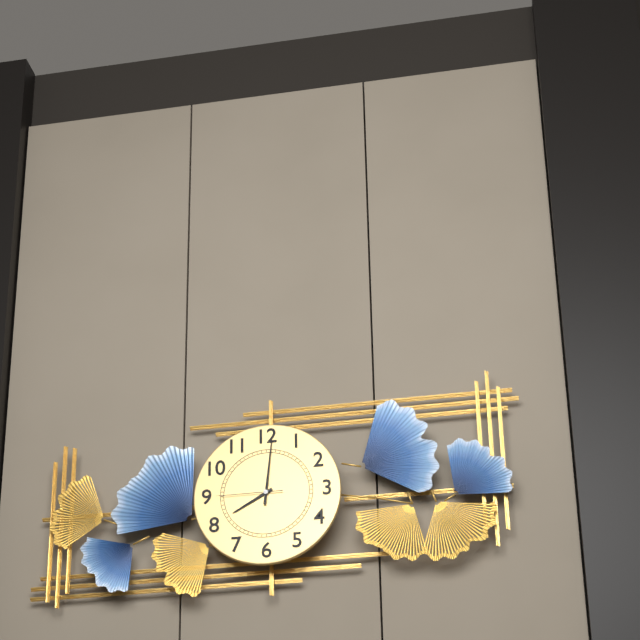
8:01:45
